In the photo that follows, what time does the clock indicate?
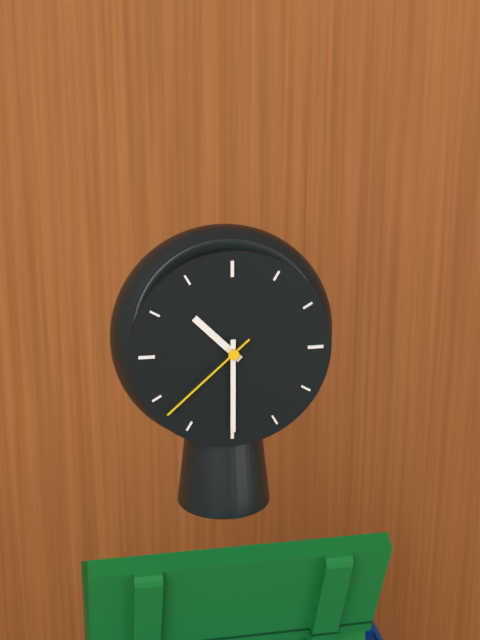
10:30:38
